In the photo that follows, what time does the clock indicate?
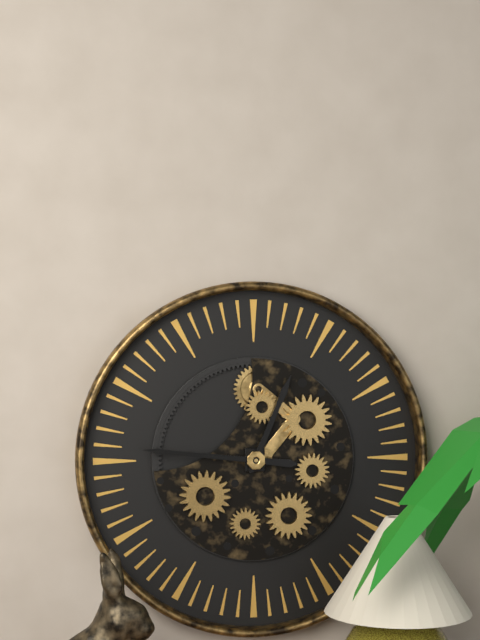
12:46
